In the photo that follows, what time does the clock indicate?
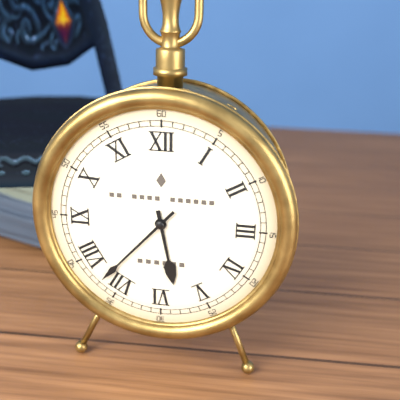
5:37
